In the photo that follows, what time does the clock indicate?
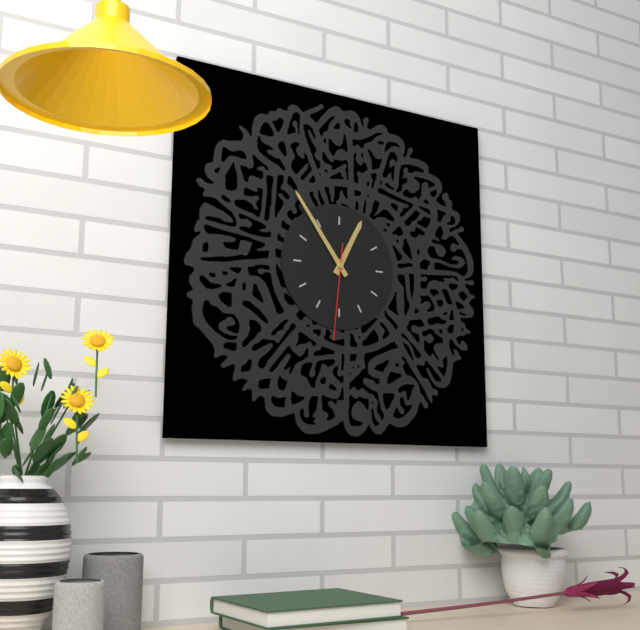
12:54:31
